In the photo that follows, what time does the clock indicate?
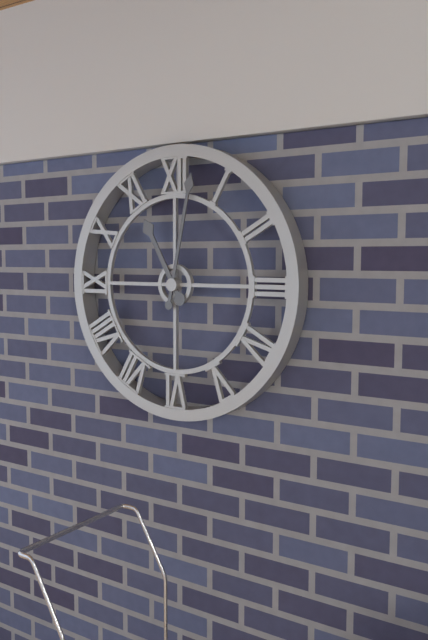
11:02
